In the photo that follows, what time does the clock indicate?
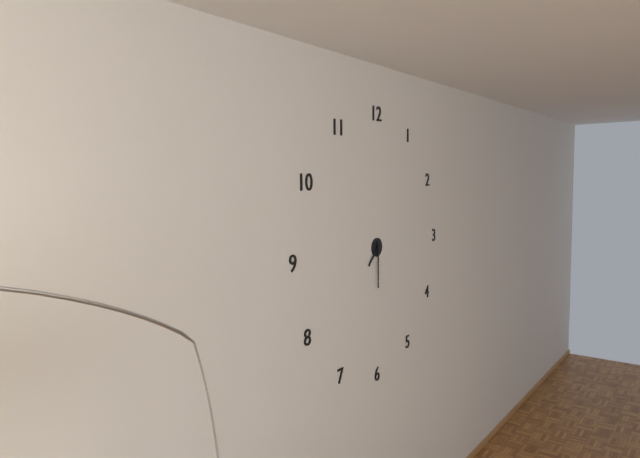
7:30
